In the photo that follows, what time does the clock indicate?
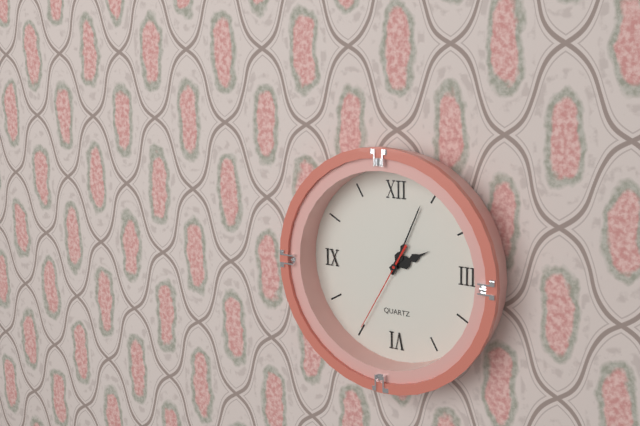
2:04:35
